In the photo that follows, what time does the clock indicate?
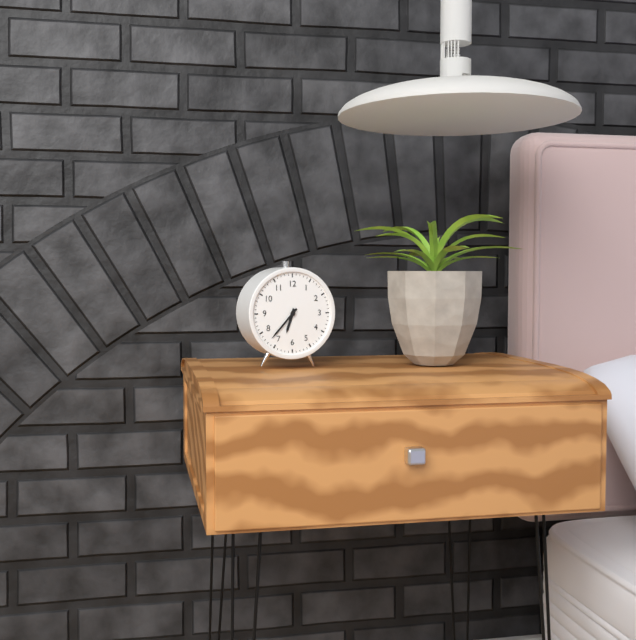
6:37
